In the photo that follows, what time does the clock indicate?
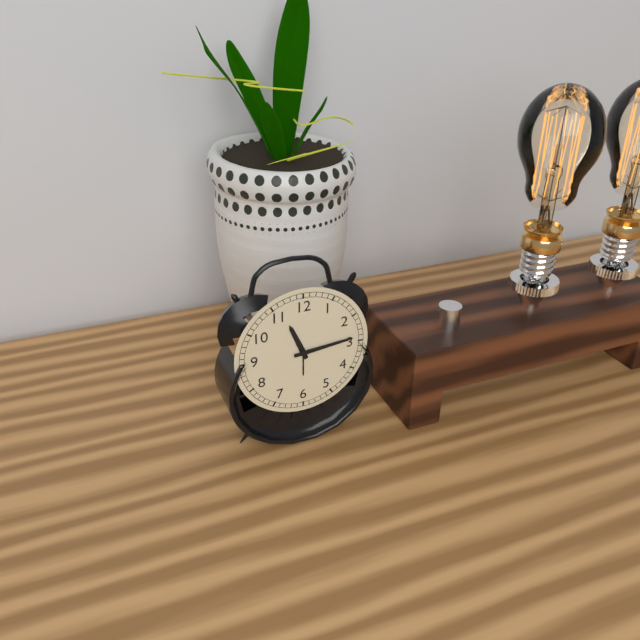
11:14
